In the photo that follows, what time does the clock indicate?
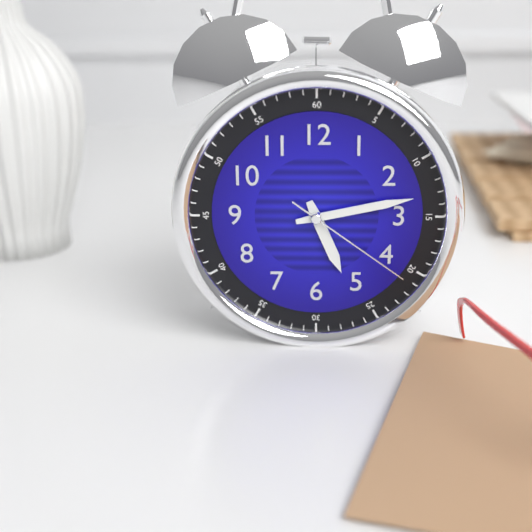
5:13:21
